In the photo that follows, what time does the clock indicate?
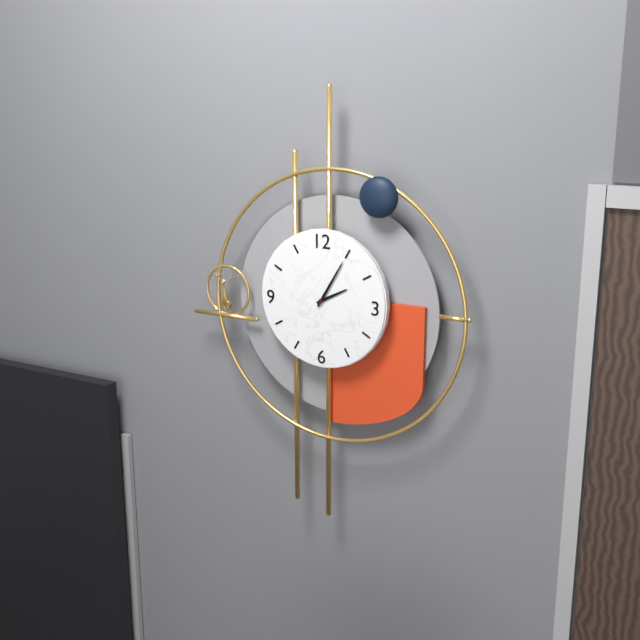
2:05
